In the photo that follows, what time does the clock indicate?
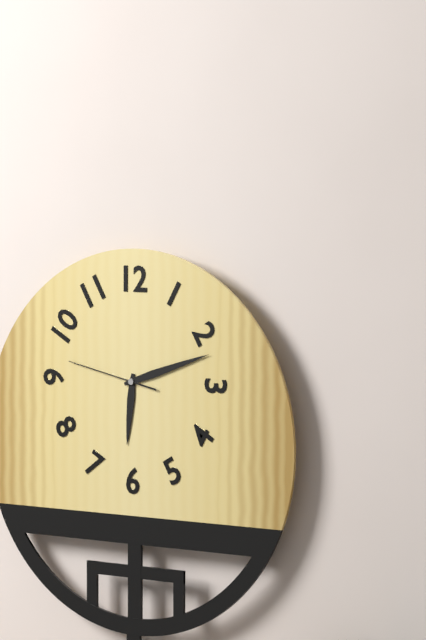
6:12:47
